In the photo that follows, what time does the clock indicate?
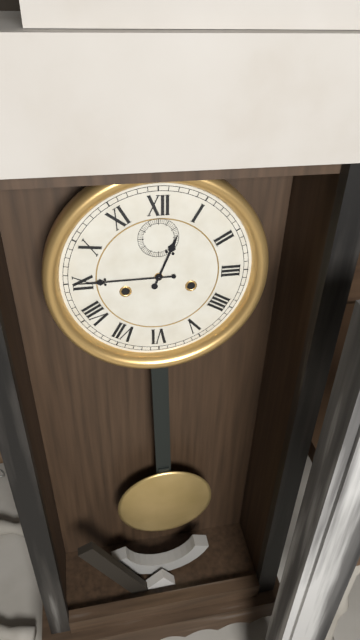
12:45
